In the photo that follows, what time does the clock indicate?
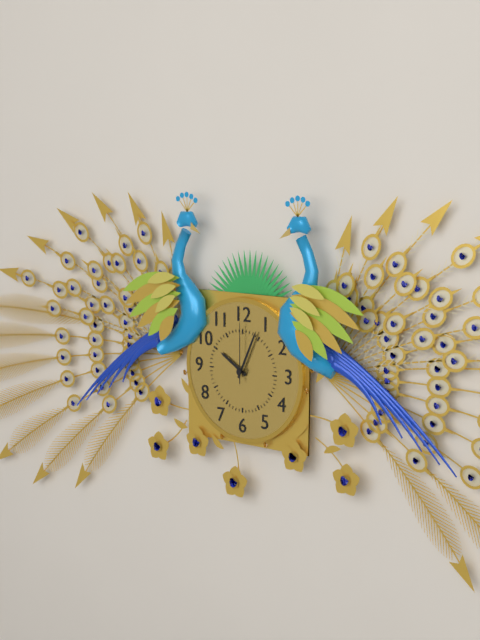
10:04:00
